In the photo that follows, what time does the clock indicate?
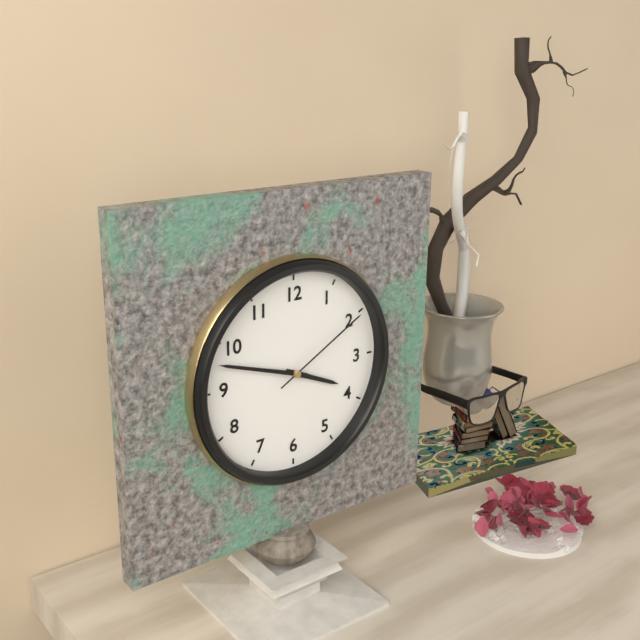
3:48:10
